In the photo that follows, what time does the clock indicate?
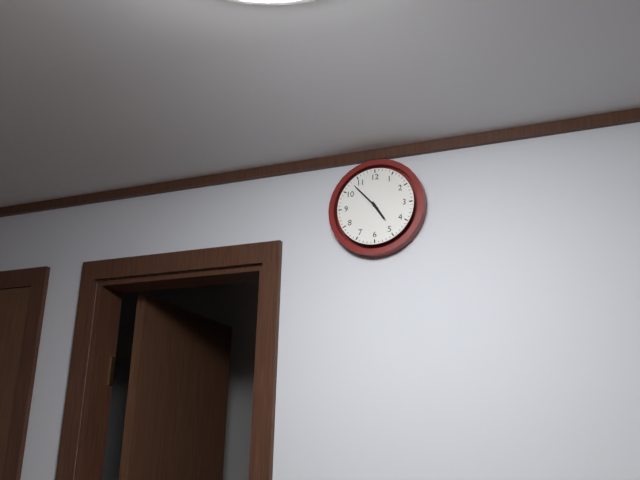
4:53
